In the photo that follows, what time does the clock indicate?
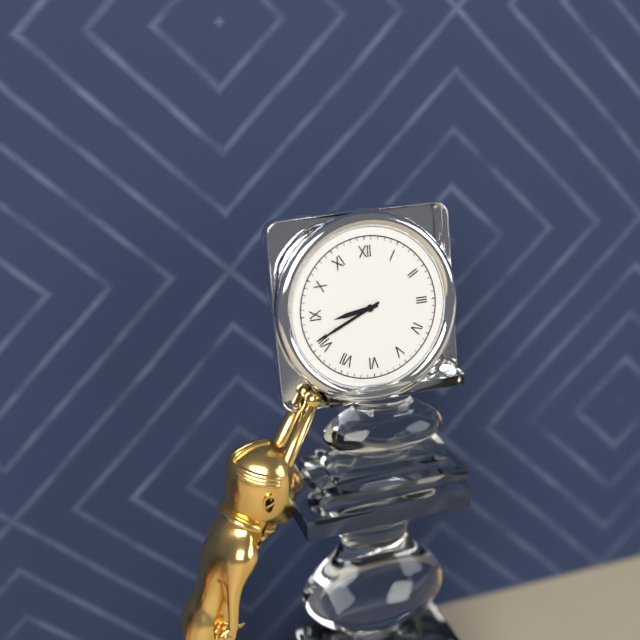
8:41
